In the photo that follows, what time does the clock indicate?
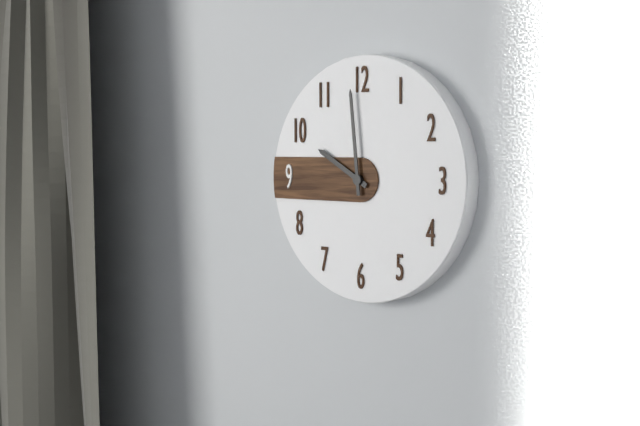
9:59
